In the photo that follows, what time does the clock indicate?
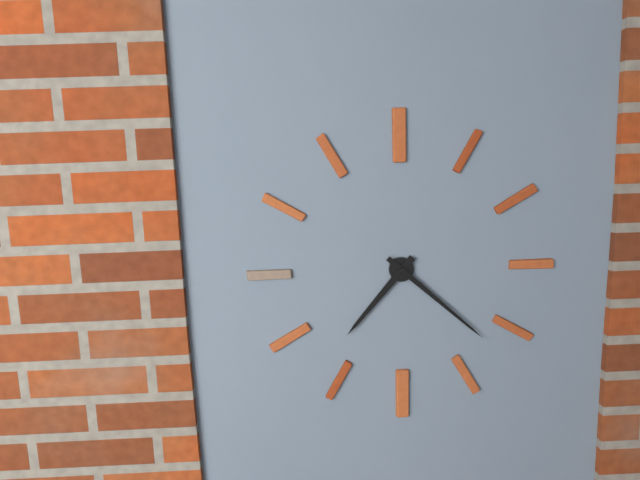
7:22
